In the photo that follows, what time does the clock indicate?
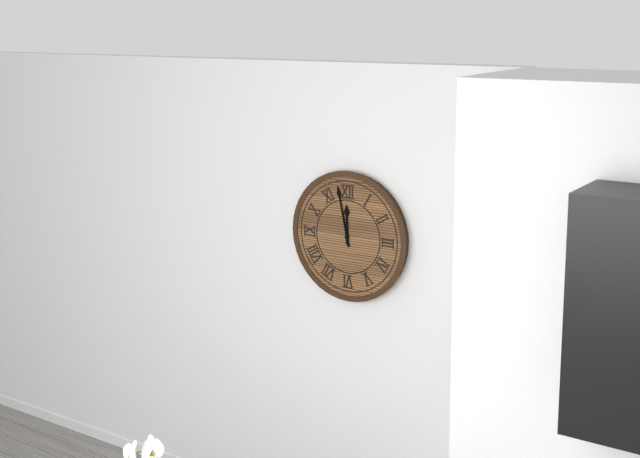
11:58
